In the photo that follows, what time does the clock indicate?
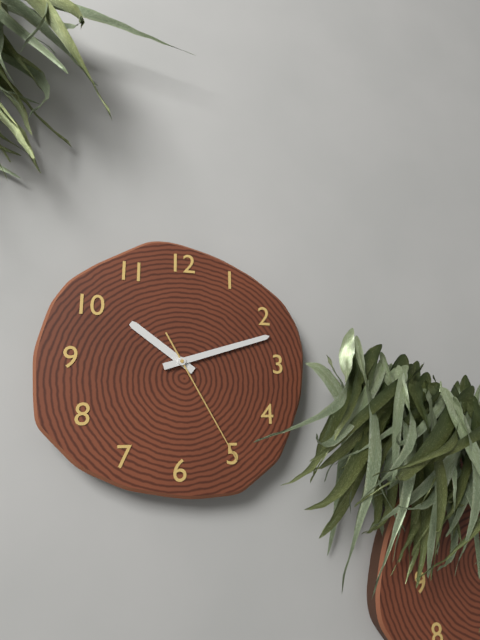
10:12:25
